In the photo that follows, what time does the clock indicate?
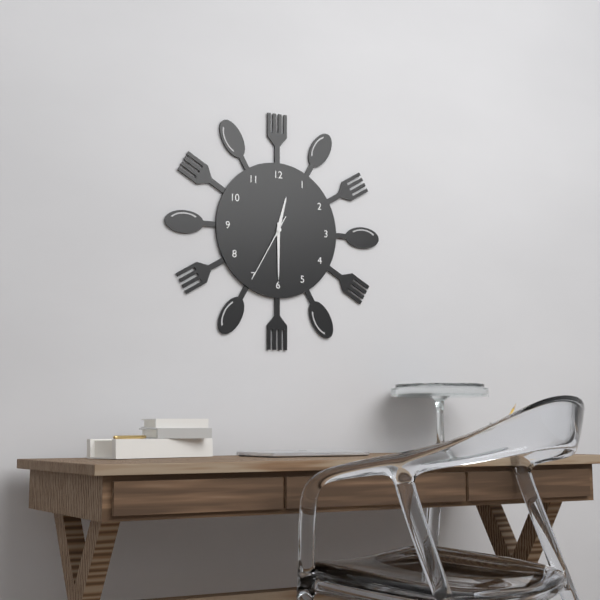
12:30:35
